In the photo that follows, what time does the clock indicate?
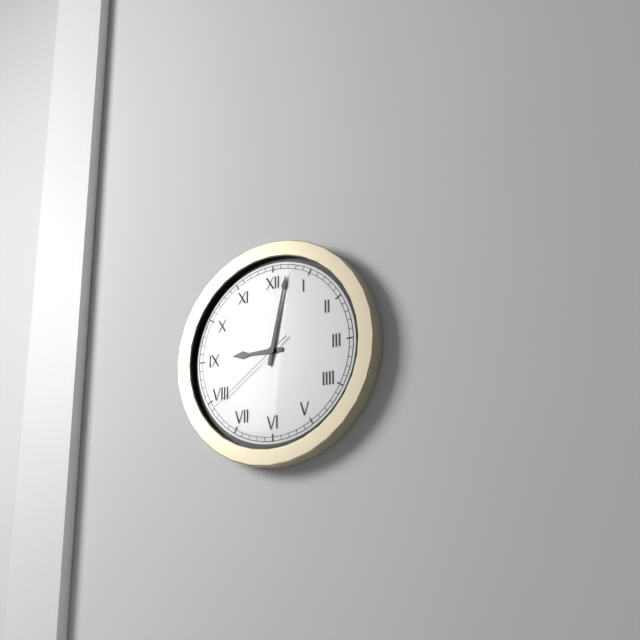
9:02:39
